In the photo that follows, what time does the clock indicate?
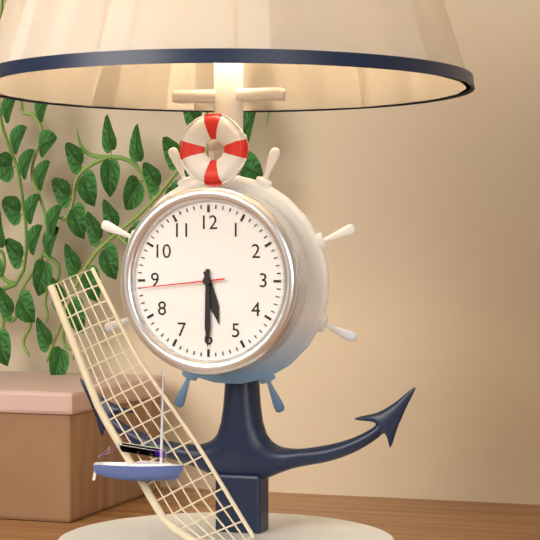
5:30:44
